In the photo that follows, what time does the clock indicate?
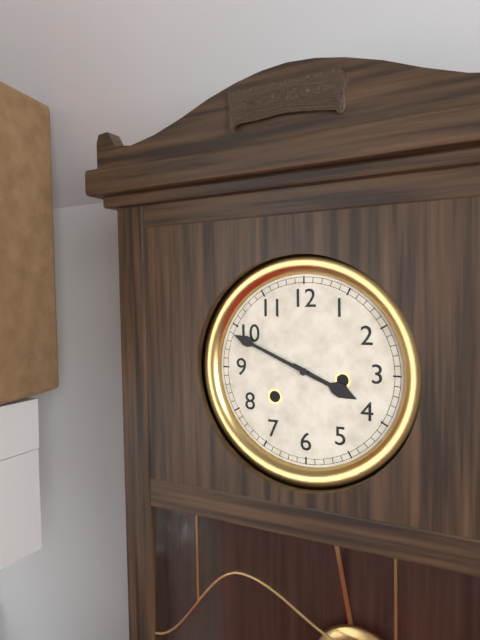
3:49
